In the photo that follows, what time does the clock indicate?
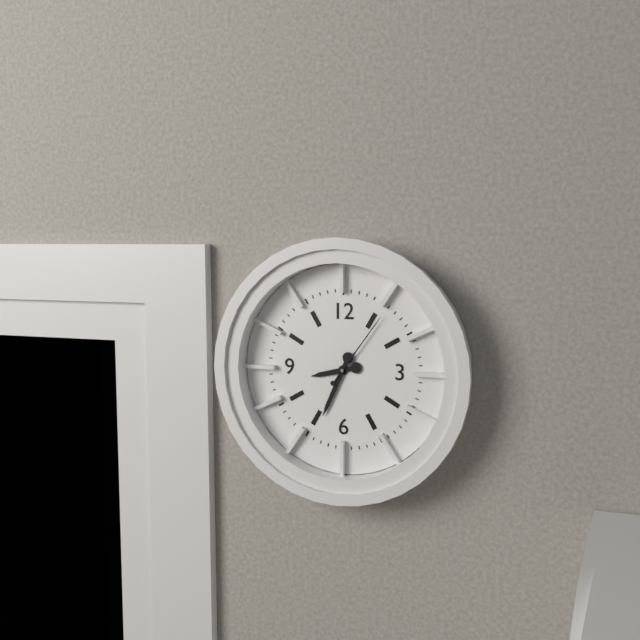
8:34:06
